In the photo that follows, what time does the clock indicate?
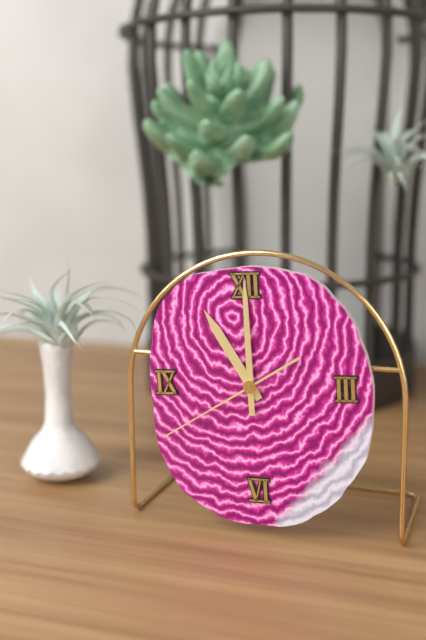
11:00:40
